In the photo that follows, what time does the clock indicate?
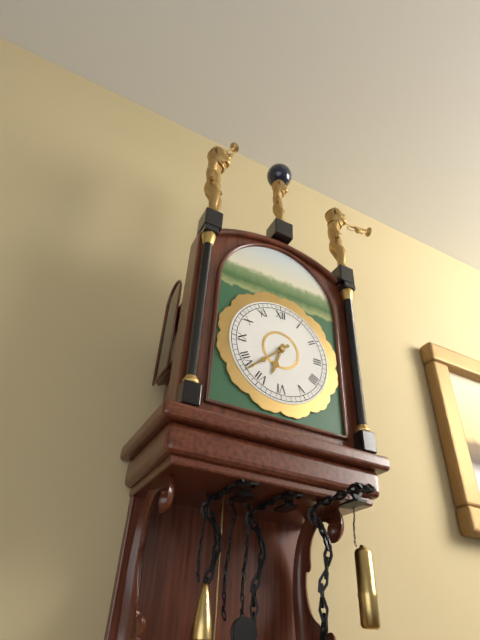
6:38
